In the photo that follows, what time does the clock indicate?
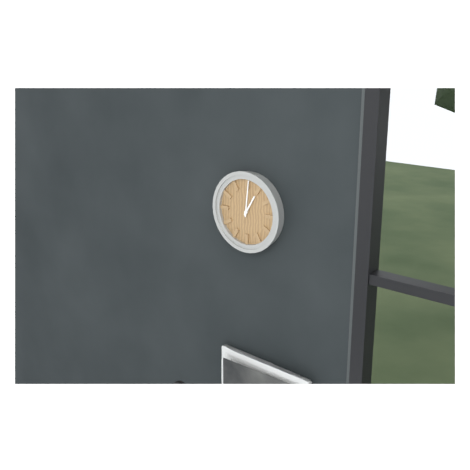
1:01
